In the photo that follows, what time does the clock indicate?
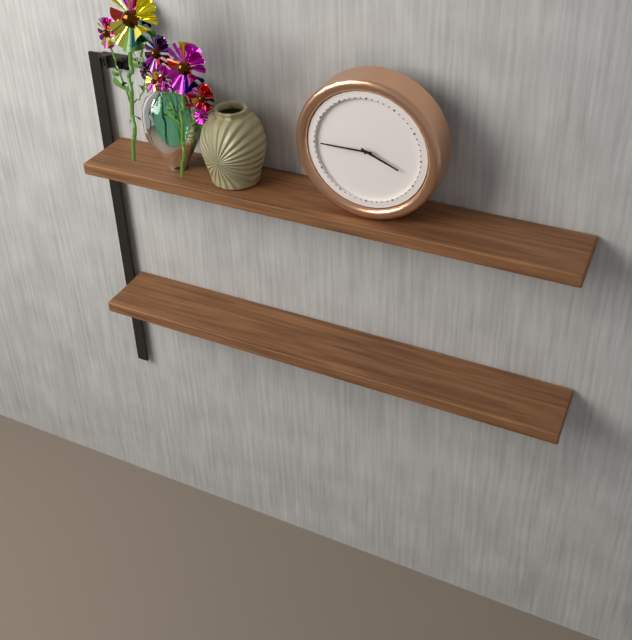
3:45
